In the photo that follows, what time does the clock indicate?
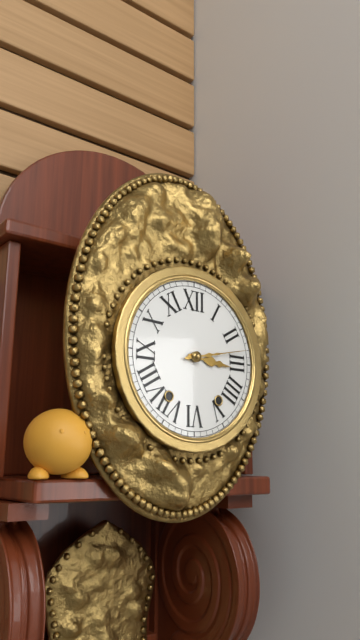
3:13
